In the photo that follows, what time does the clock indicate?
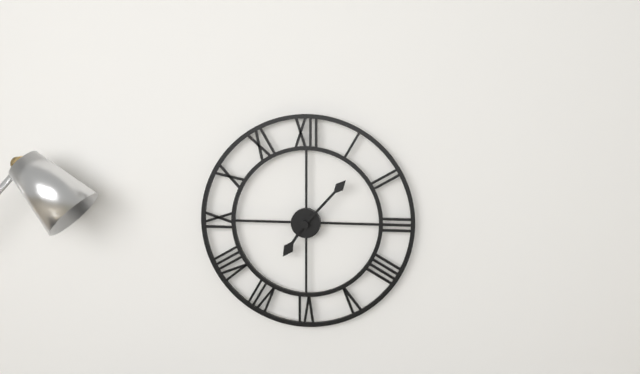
7:07
